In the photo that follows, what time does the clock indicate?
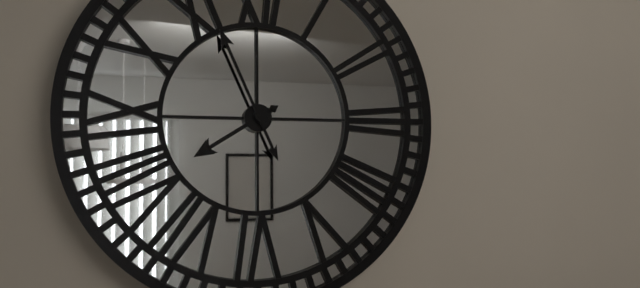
7:56
